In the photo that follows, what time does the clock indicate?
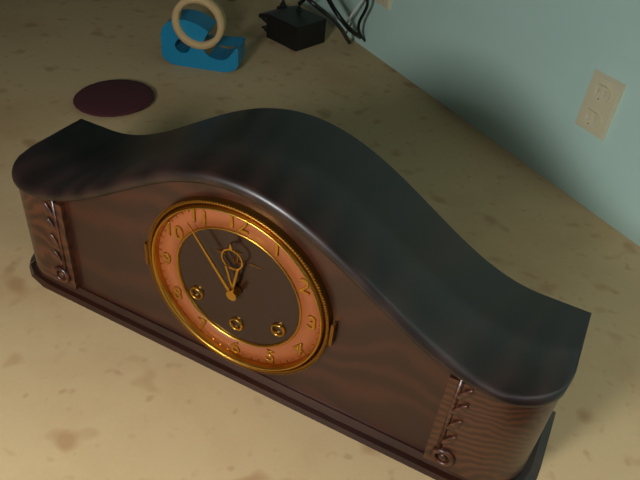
11:54
